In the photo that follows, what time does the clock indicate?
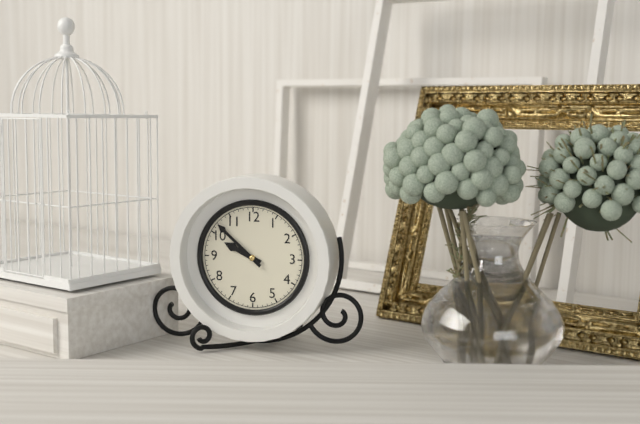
9:52
